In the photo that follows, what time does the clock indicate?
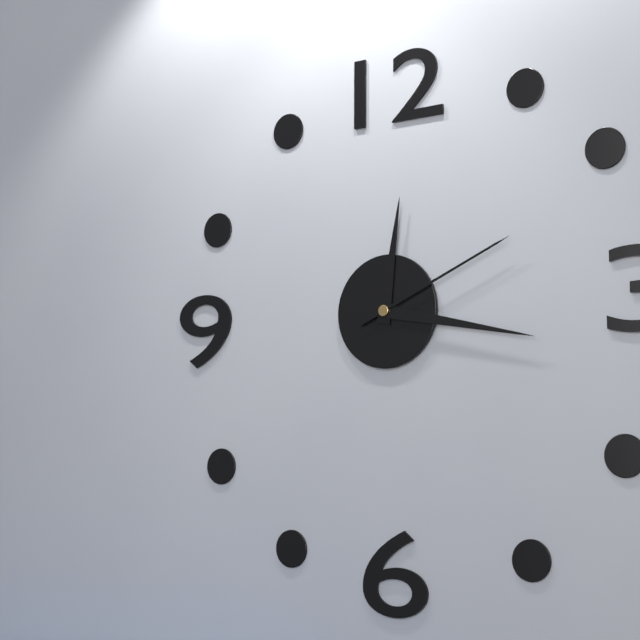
12:17:11
